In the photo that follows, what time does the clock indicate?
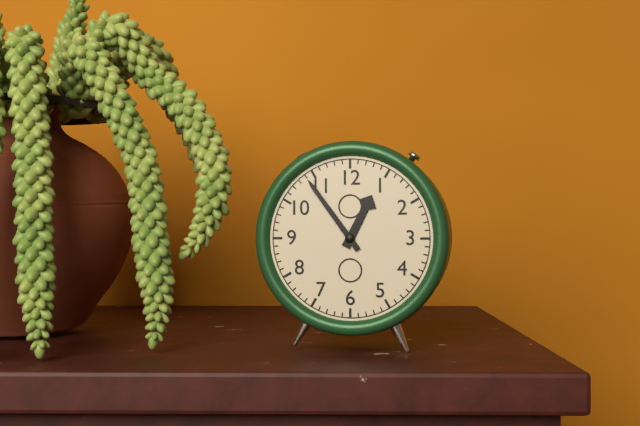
12:54
